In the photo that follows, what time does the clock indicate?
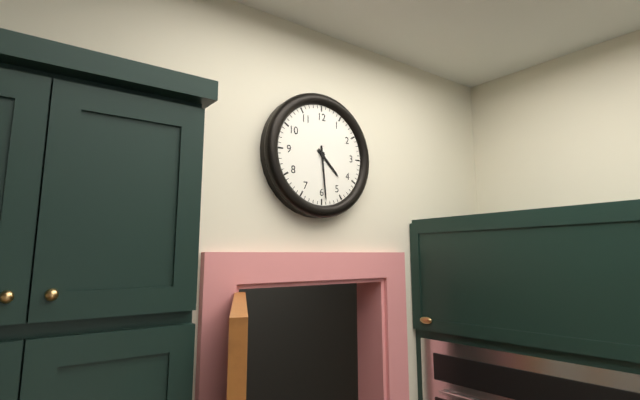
4:29
